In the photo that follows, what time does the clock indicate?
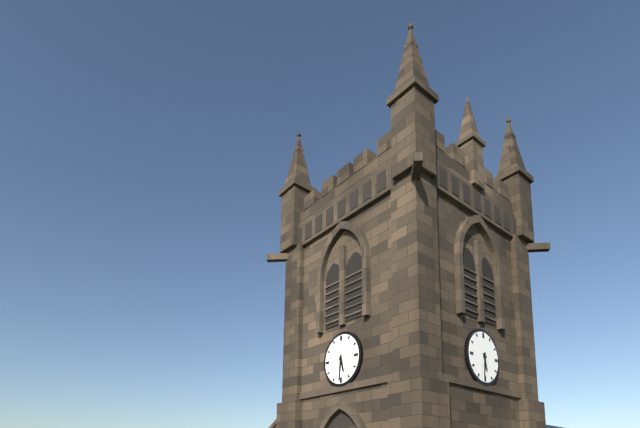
5:31
